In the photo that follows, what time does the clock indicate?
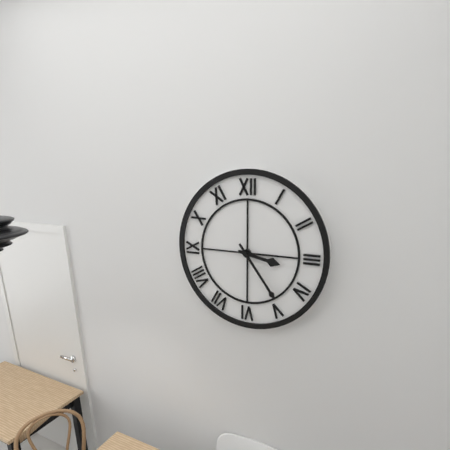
3:24
